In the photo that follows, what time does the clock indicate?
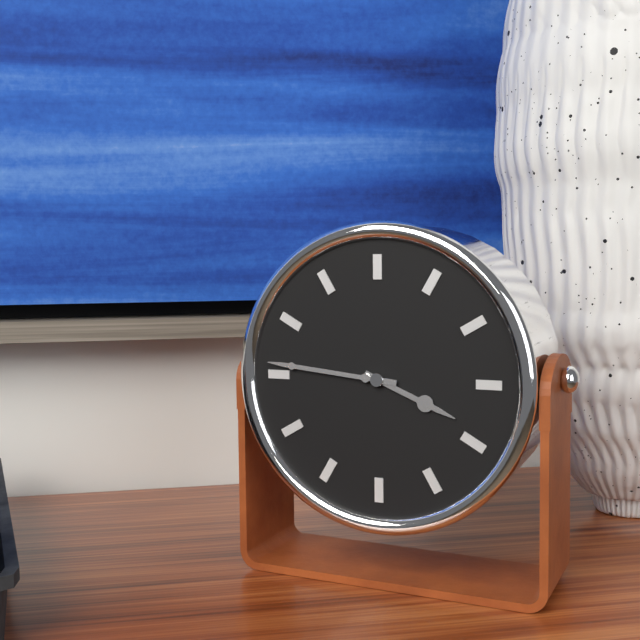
3:46
